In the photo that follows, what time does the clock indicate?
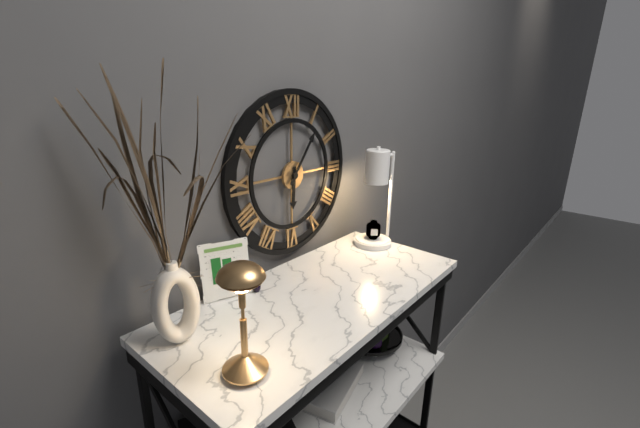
6:06
